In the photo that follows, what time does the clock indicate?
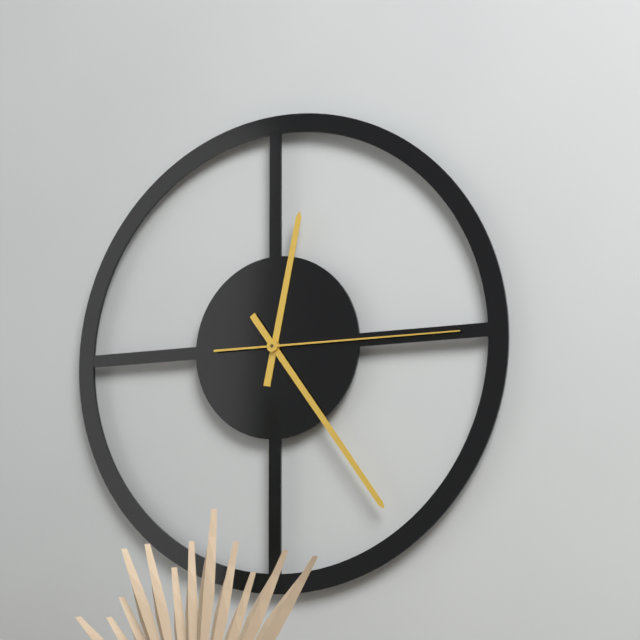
12:24:15
